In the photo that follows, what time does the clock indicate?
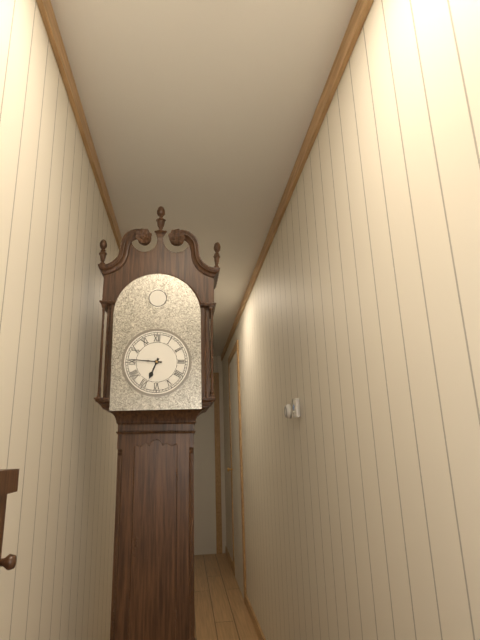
6:46
